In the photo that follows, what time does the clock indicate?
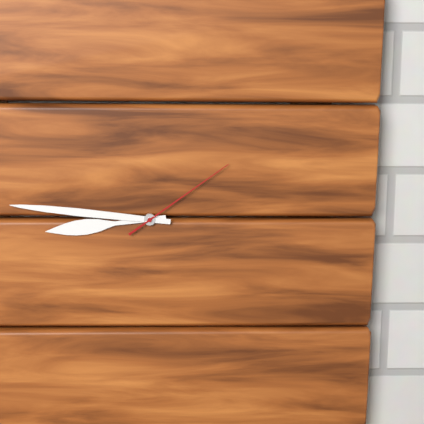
8:46:09
